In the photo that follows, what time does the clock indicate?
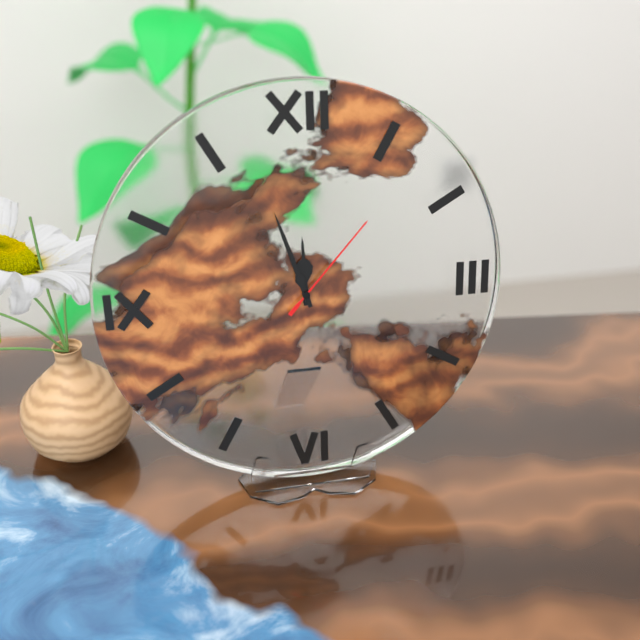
11:57:07
